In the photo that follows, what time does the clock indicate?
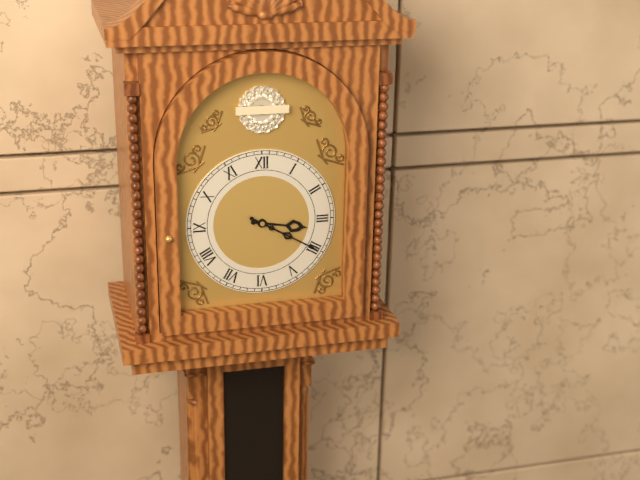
3:20
